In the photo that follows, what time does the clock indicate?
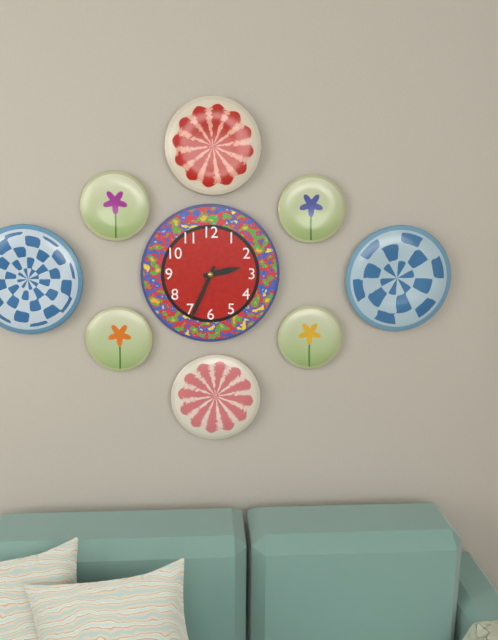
2:34
